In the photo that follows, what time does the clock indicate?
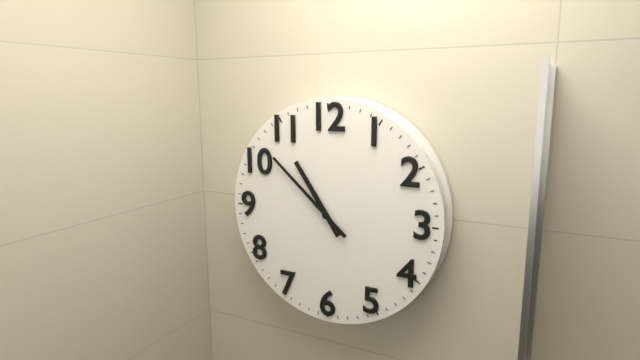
10:52
